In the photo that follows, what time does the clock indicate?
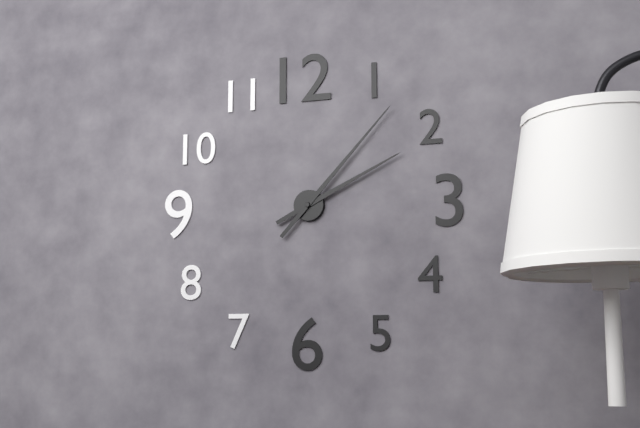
2:07
